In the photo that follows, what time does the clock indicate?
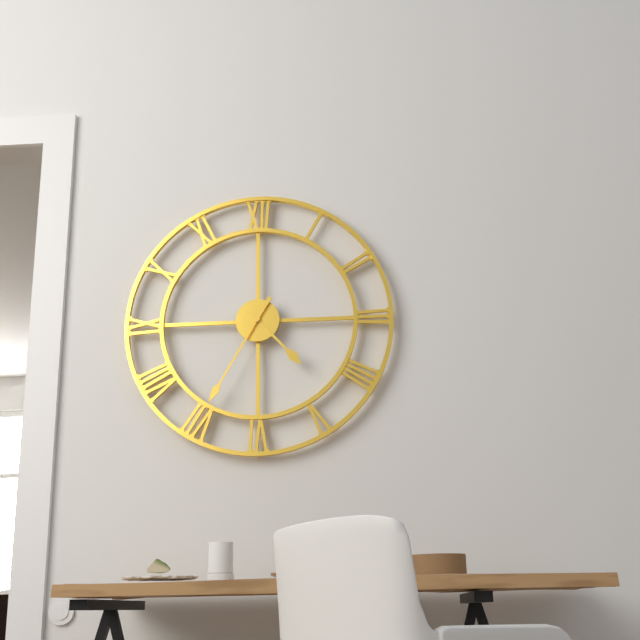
4:35
